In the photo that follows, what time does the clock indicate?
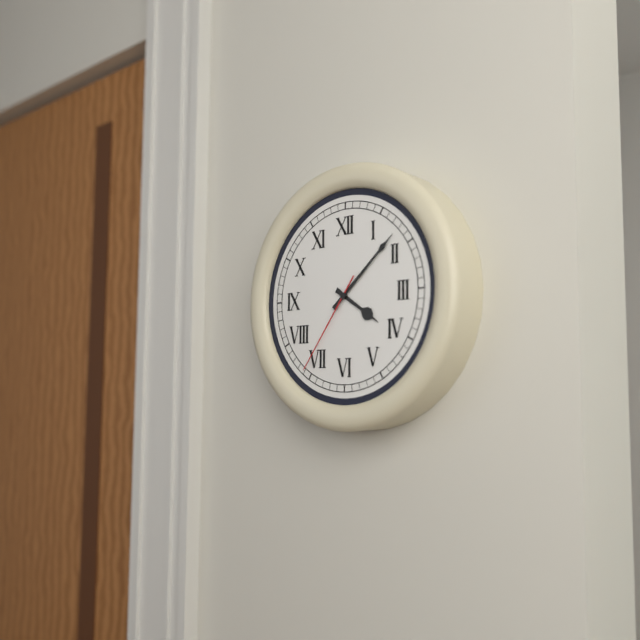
4:08:36
